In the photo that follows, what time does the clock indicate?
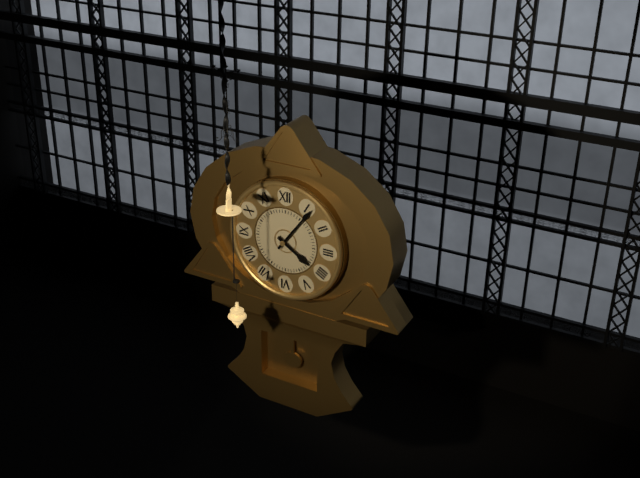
4:06
